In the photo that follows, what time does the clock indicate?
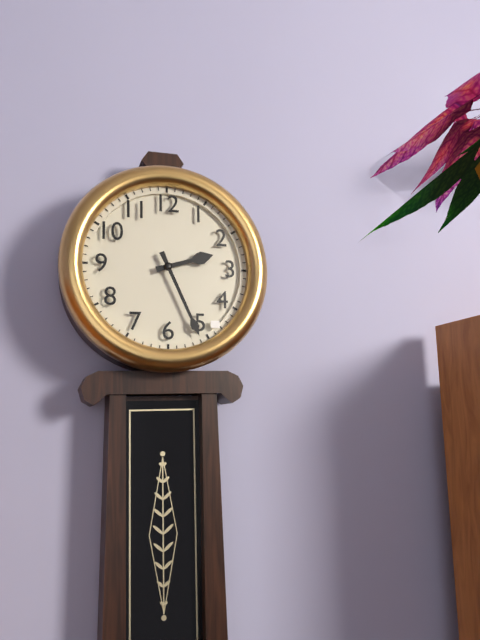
2:26
